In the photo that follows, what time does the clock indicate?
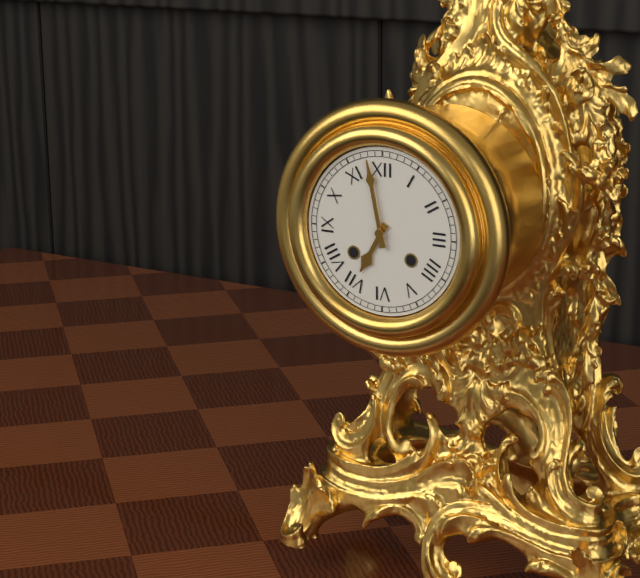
6:58
